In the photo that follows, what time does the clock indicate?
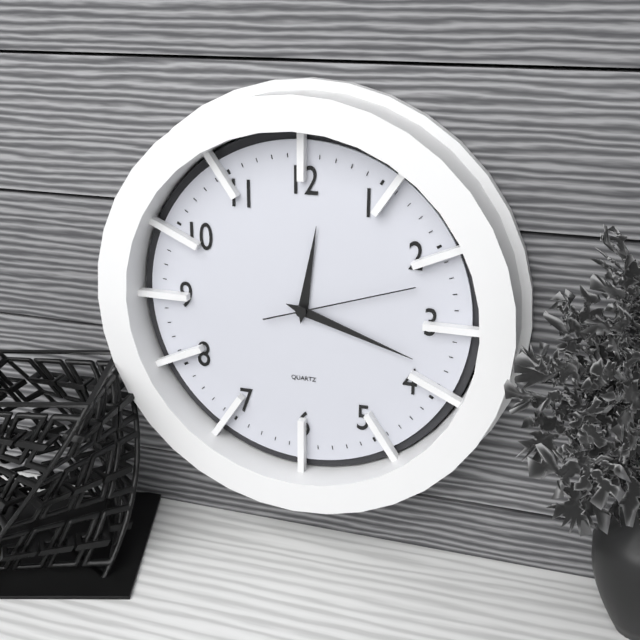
12:18:12
